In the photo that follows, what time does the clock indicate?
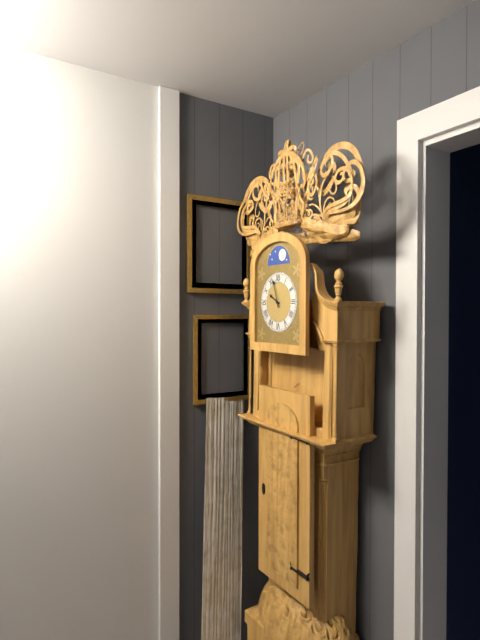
9:57
